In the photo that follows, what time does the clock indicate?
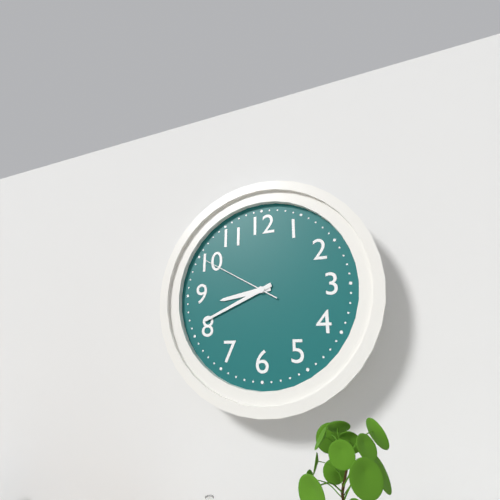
8:41:50
